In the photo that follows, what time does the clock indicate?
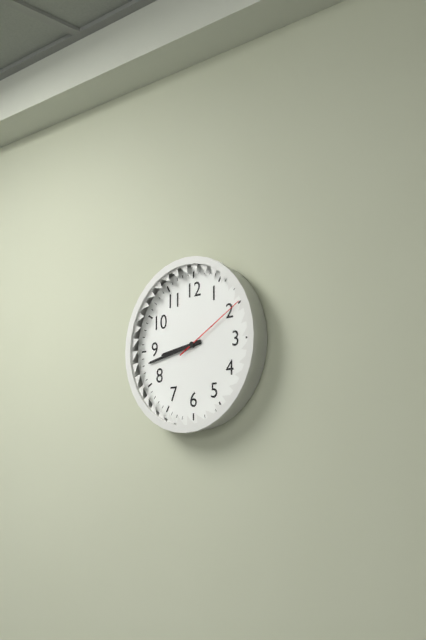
8:43:10
